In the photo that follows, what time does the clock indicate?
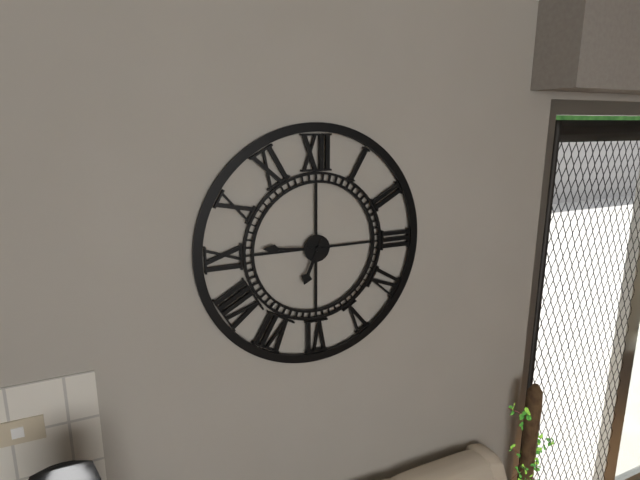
6:46
